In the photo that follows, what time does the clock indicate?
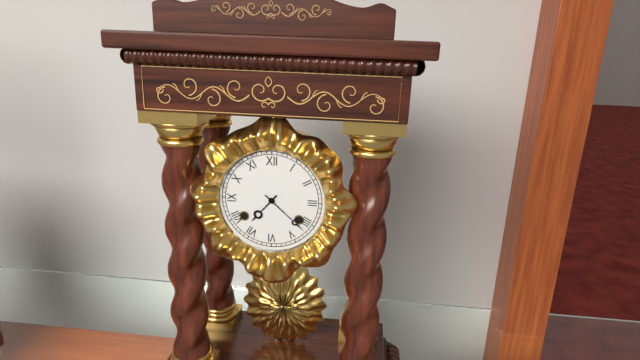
7:22
